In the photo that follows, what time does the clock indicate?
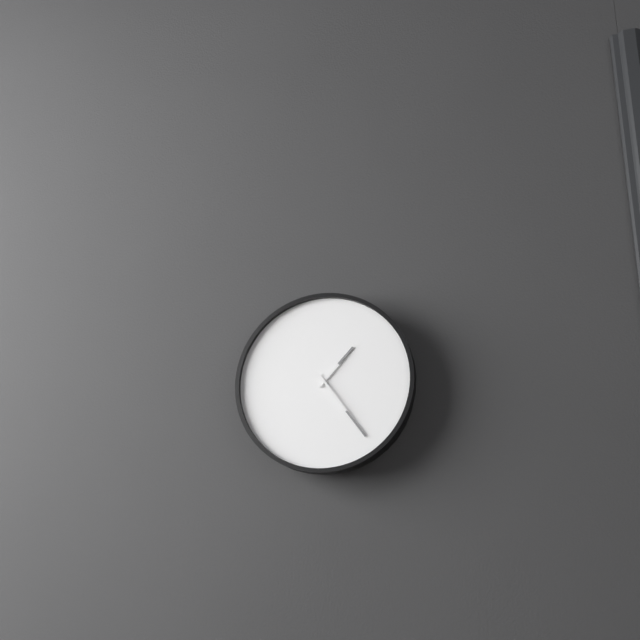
1:24
